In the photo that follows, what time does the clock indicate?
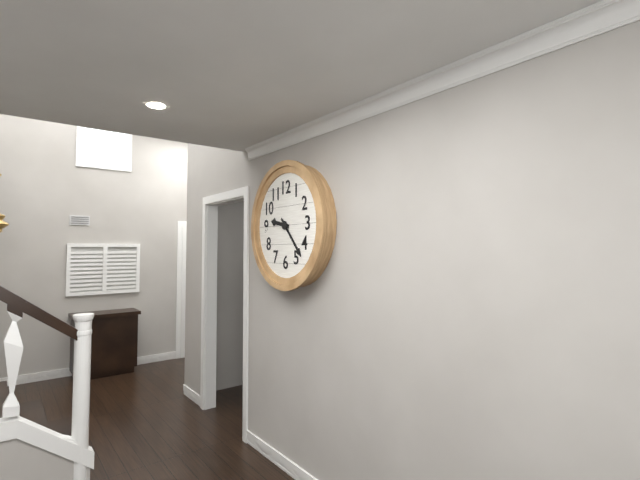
9:23
